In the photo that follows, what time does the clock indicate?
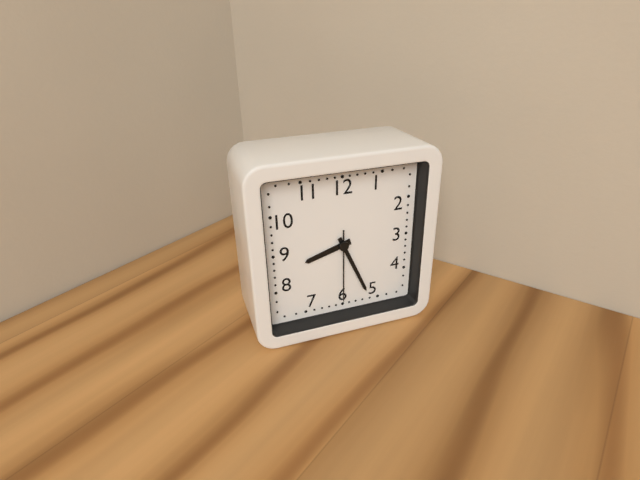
8:26:30
